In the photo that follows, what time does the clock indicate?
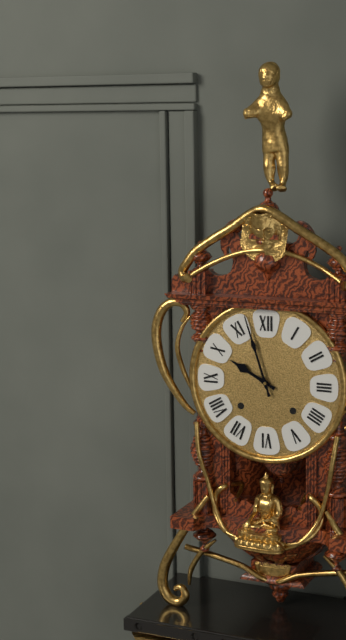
9:57
